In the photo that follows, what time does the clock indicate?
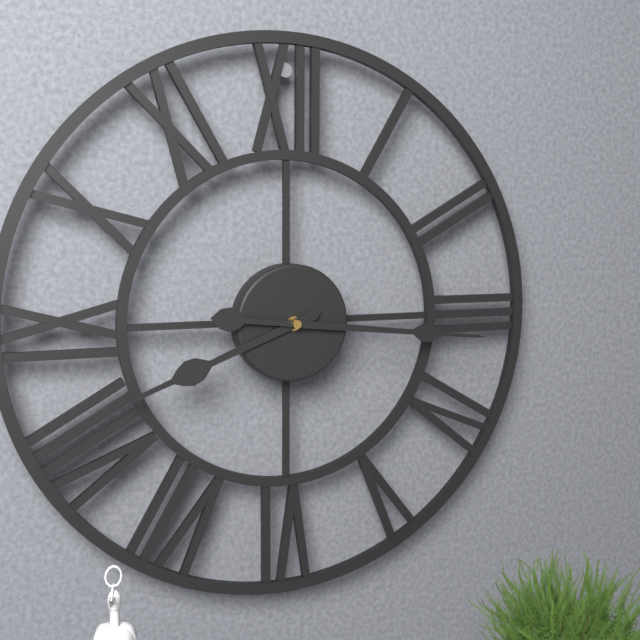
8:16
